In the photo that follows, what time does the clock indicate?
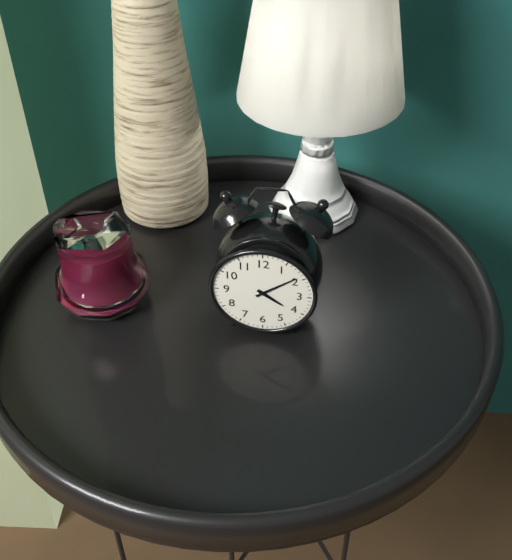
4:09
